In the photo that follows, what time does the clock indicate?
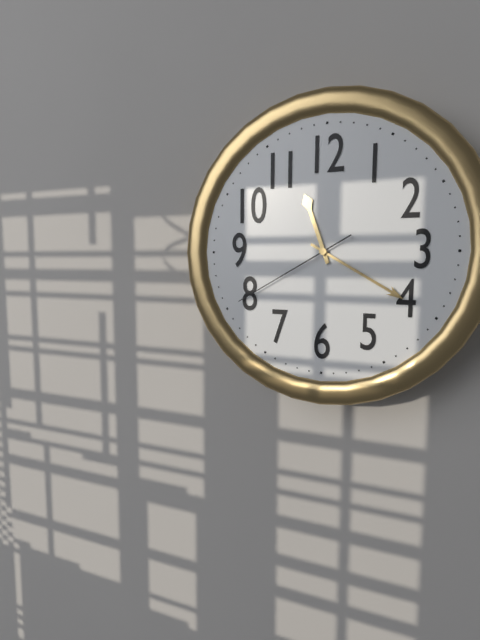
11:20:40
